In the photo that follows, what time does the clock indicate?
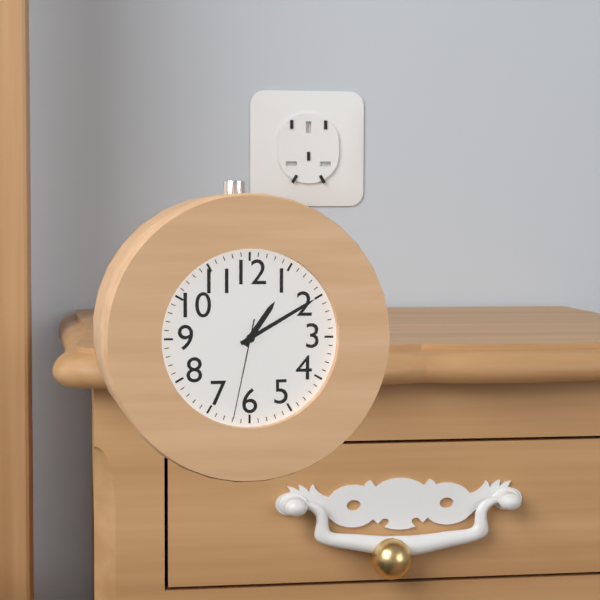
1:10:32
